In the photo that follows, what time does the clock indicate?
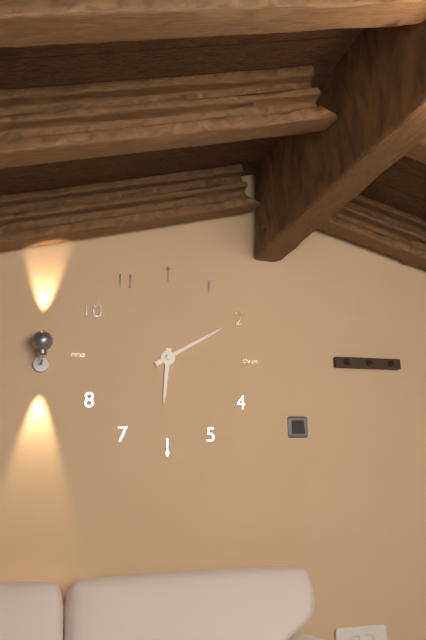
6:10
